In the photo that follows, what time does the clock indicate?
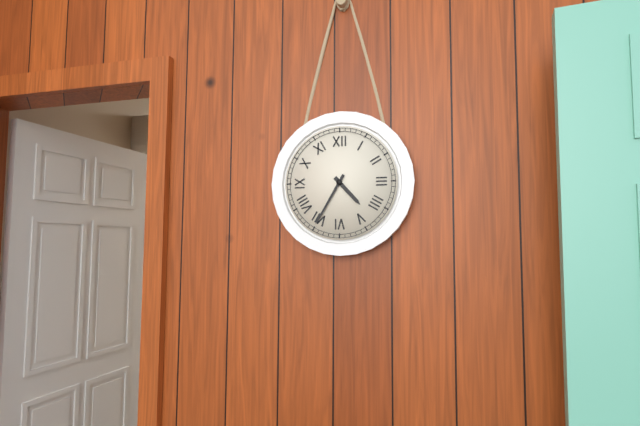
4:35
